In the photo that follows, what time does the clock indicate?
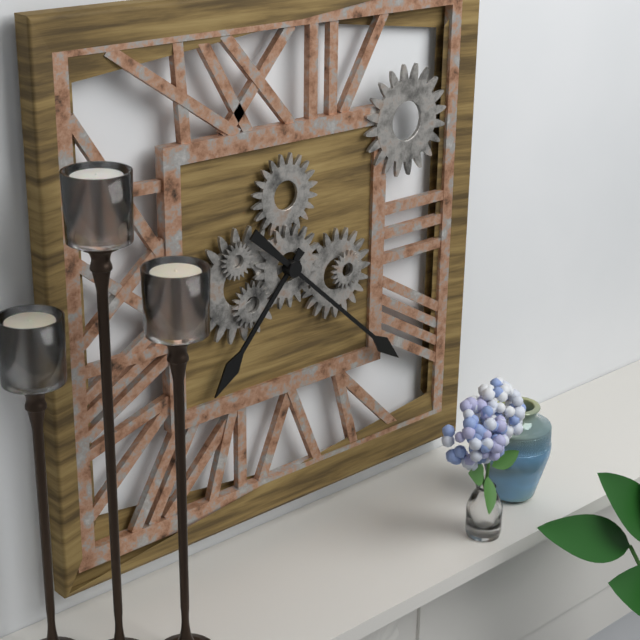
7:22
